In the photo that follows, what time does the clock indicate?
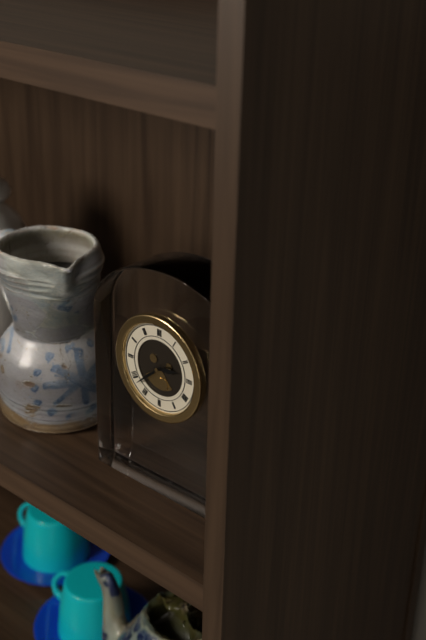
2:38
